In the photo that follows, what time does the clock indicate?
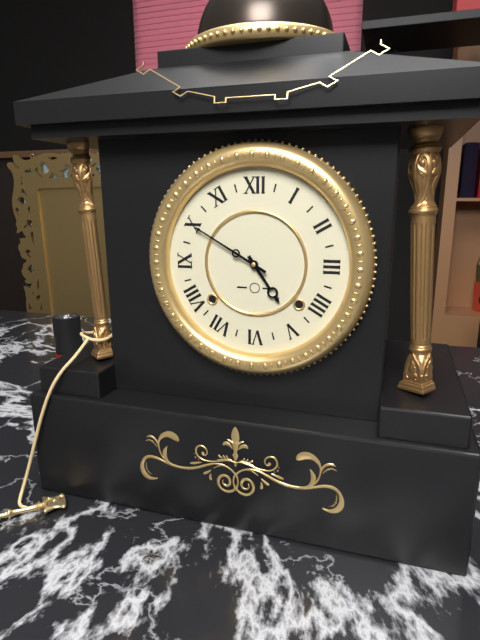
4:50
